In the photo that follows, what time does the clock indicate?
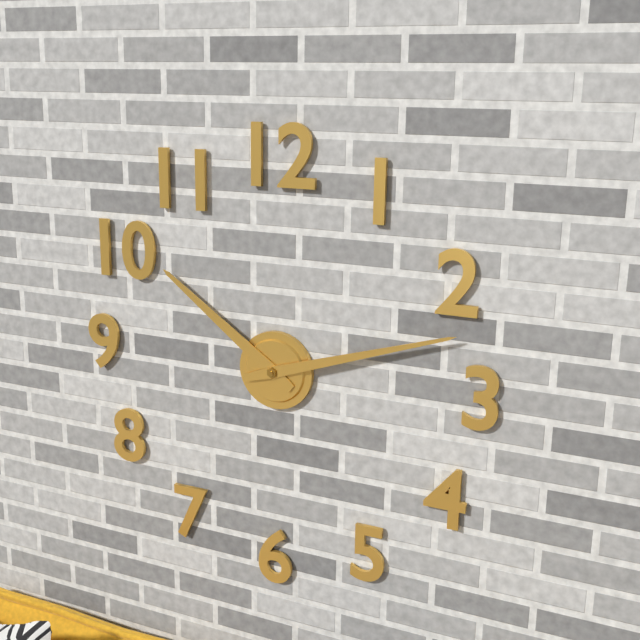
10:12
